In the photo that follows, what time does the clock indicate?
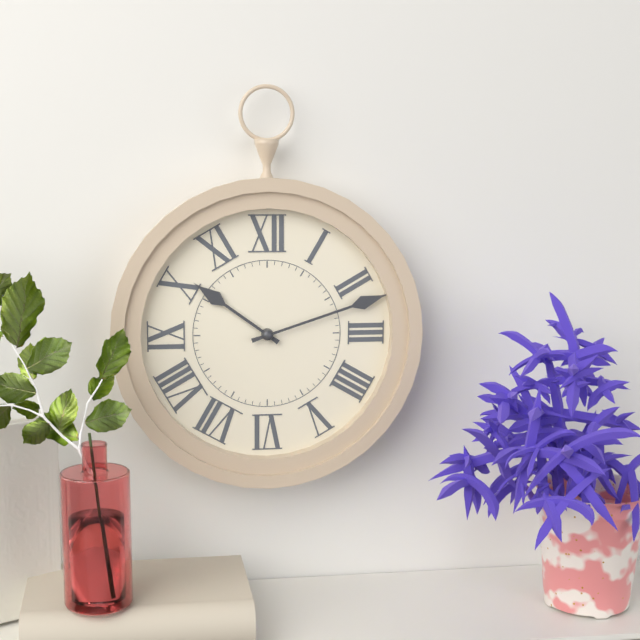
10:12
